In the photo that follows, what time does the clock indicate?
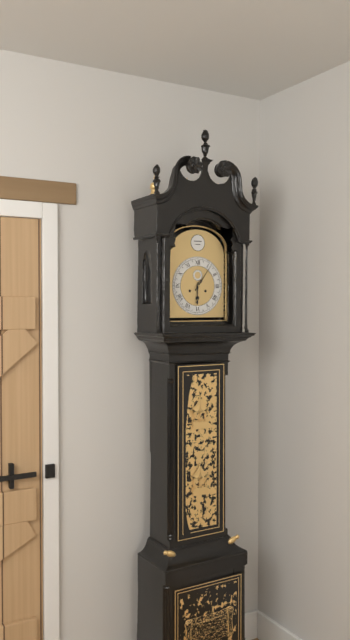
6:06
